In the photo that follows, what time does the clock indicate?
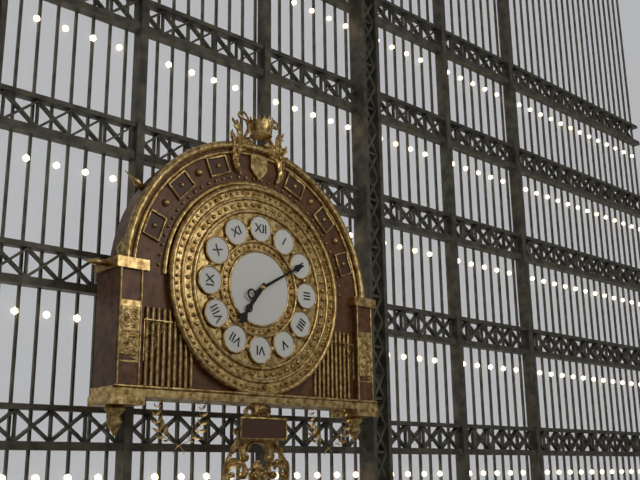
7:10
